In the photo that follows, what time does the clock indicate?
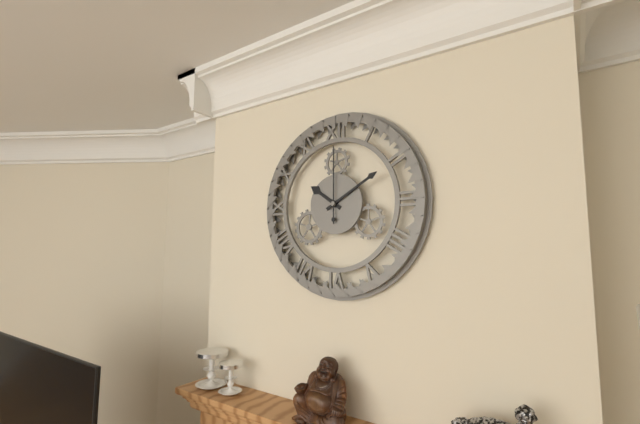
10:10:00
